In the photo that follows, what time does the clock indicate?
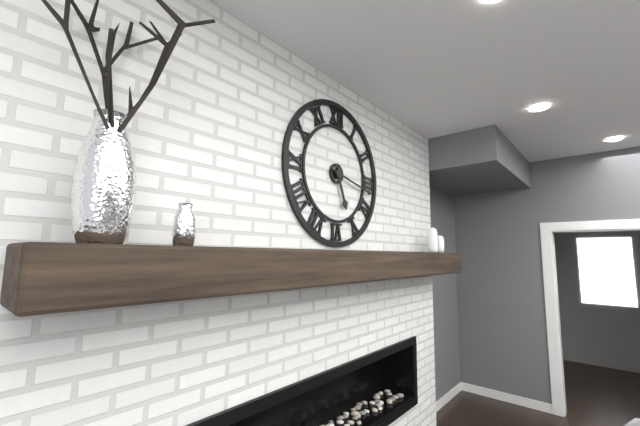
5:17
